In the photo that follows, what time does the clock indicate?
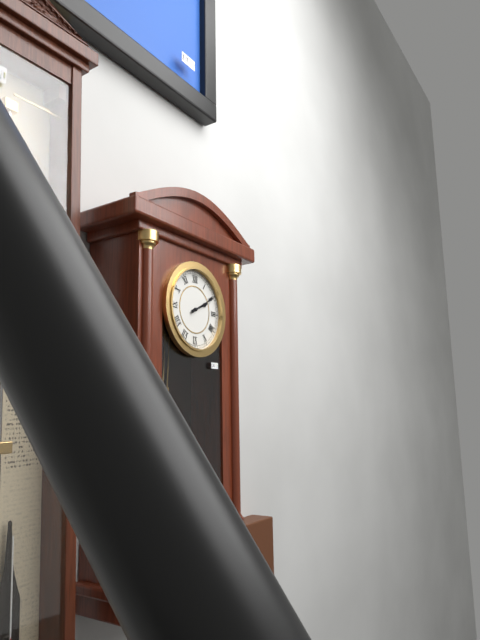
2:10
